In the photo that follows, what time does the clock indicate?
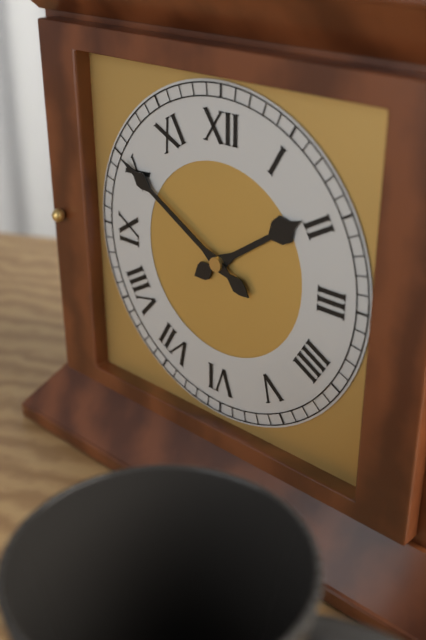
1:50
